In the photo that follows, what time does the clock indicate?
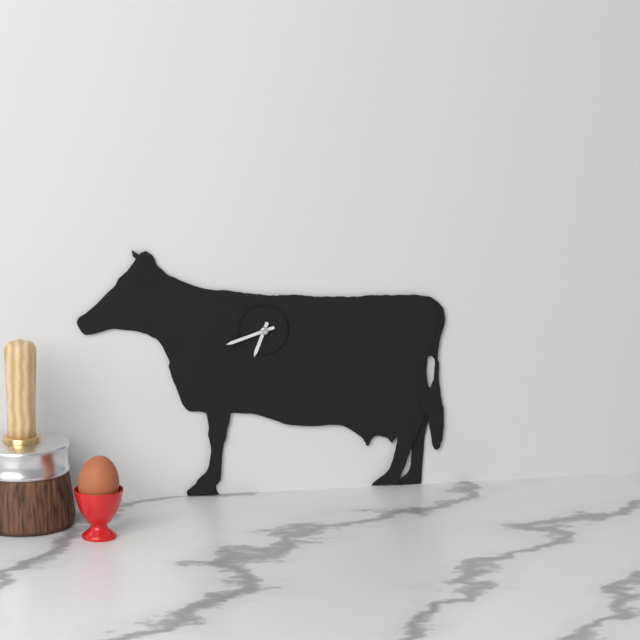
6:42
